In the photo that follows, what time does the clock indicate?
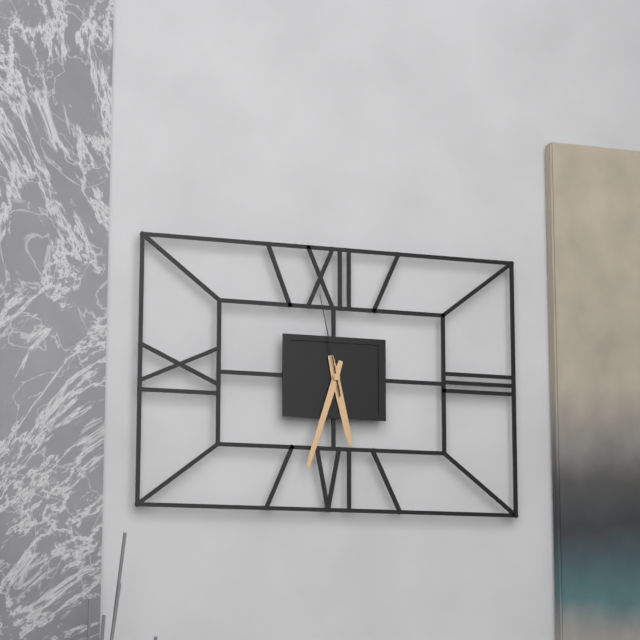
5:33:58
